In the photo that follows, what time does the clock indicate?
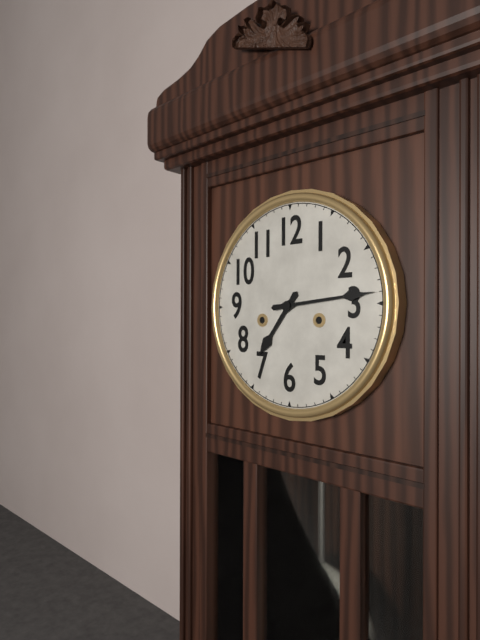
7:14
